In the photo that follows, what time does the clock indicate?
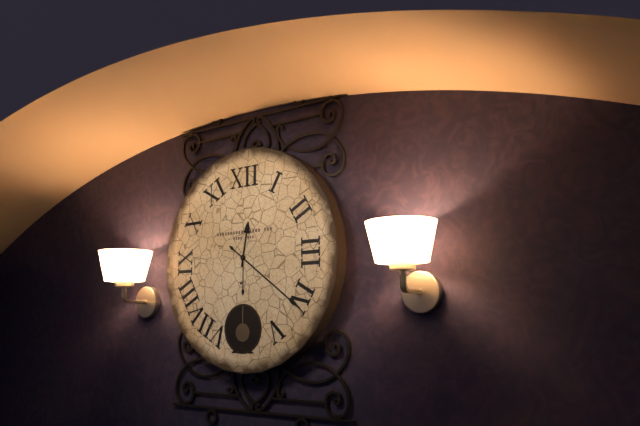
12:21
